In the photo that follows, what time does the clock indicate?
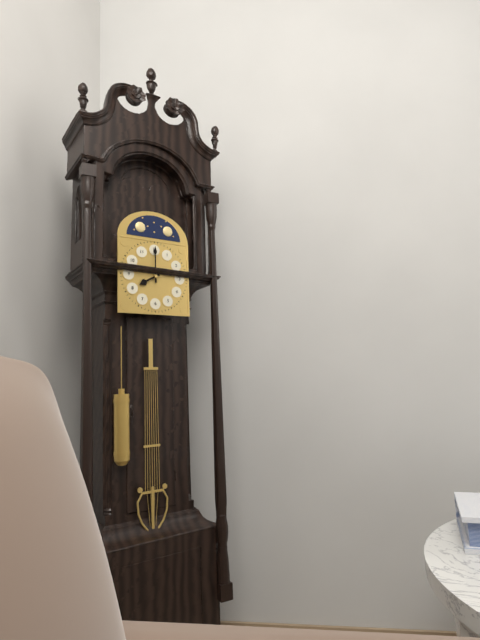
8:00
